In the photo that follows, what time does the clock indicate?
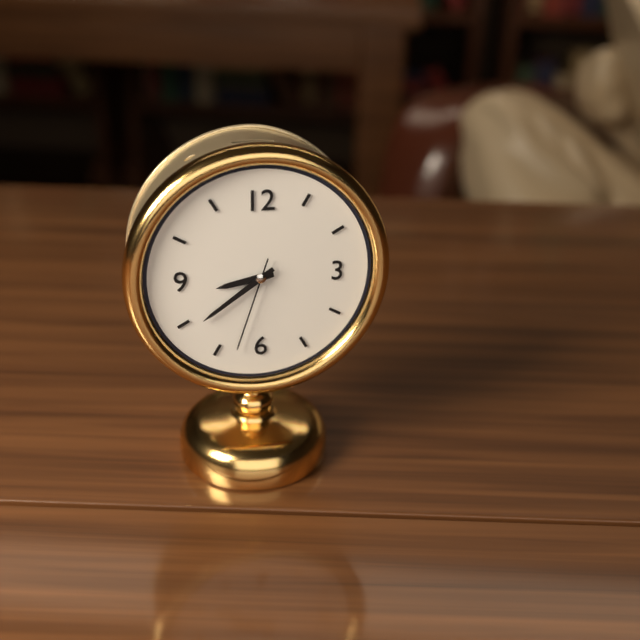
8:39:33
